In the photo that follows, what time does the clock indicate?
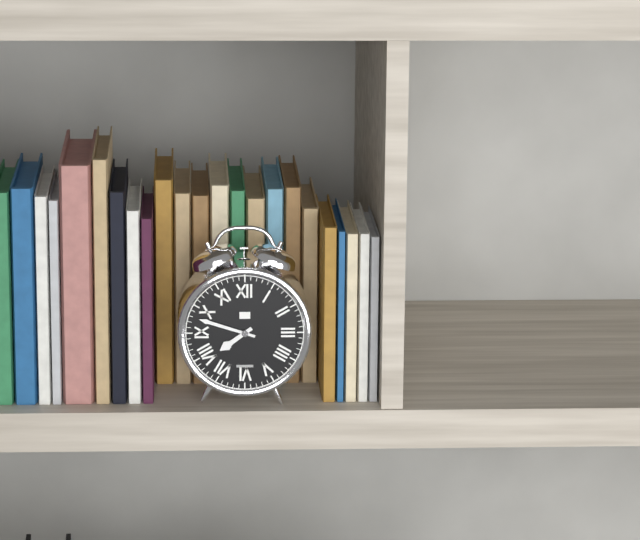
7:48
